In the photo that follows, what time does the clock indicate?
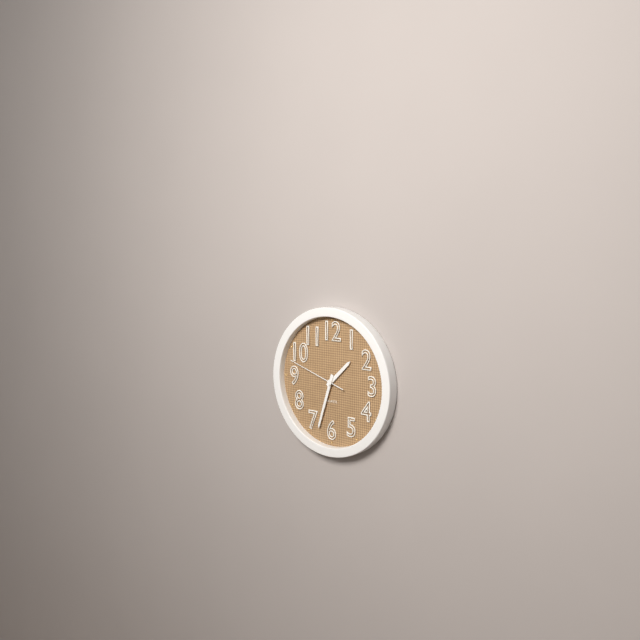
1:33:48
